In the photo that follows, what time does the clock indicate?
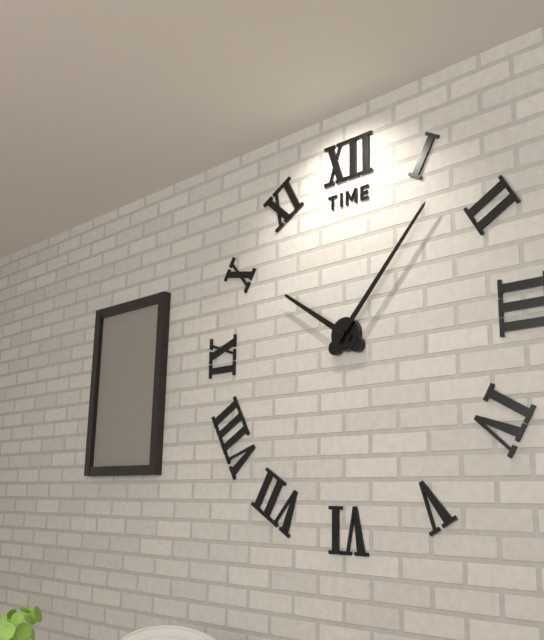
10:07
